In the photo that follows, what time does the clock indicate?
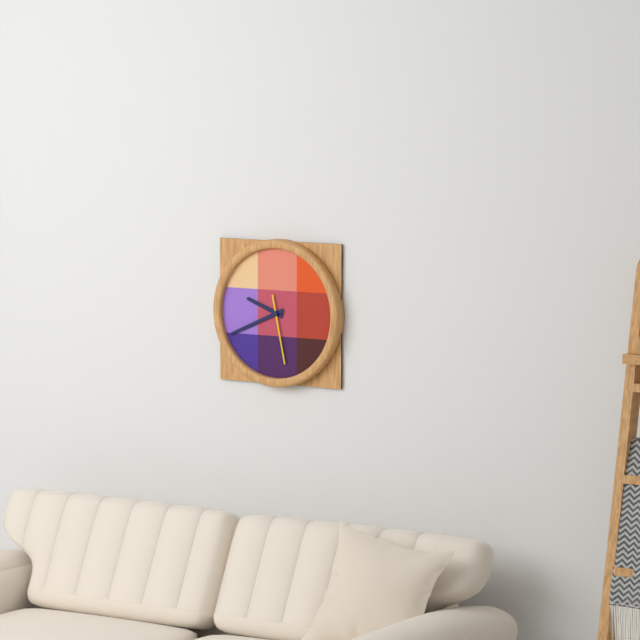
9:41:28
